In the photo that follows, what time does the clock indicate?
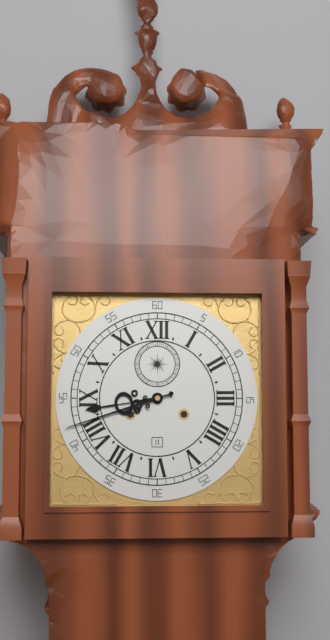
8:42
